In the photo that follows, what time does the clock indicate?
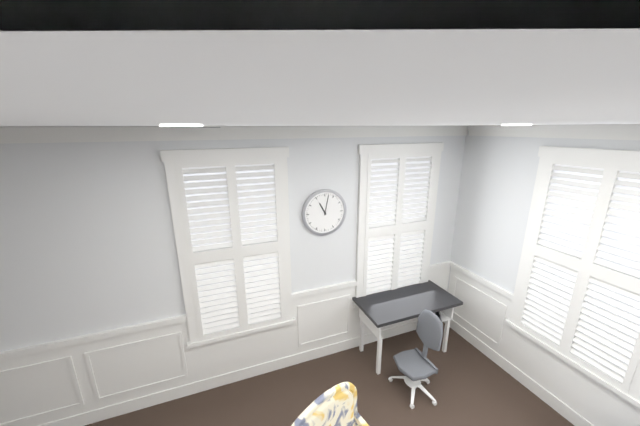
11:02
